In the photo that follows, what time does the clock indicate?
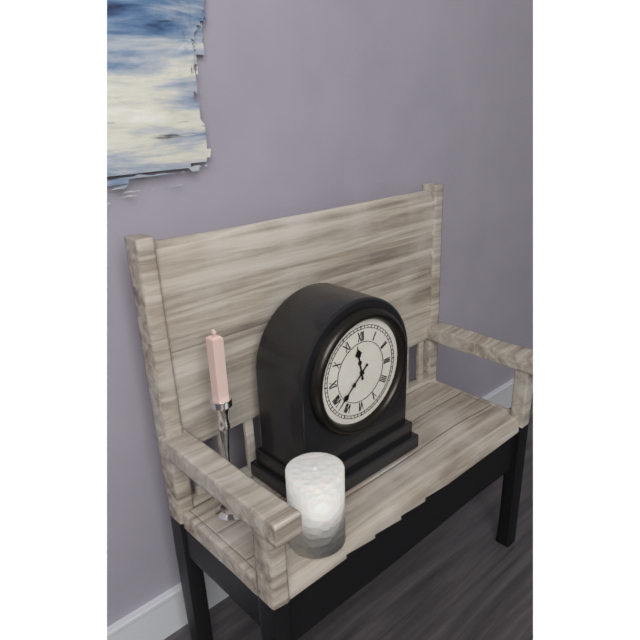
11:38
